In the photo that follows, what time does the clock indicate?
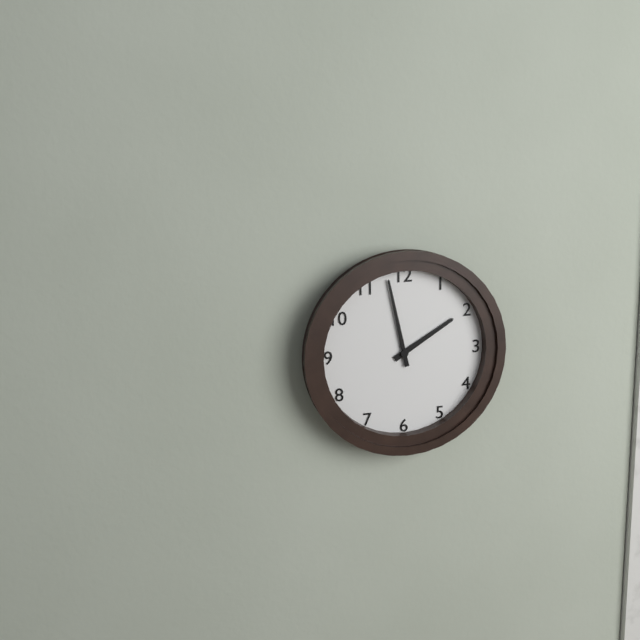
1:58
